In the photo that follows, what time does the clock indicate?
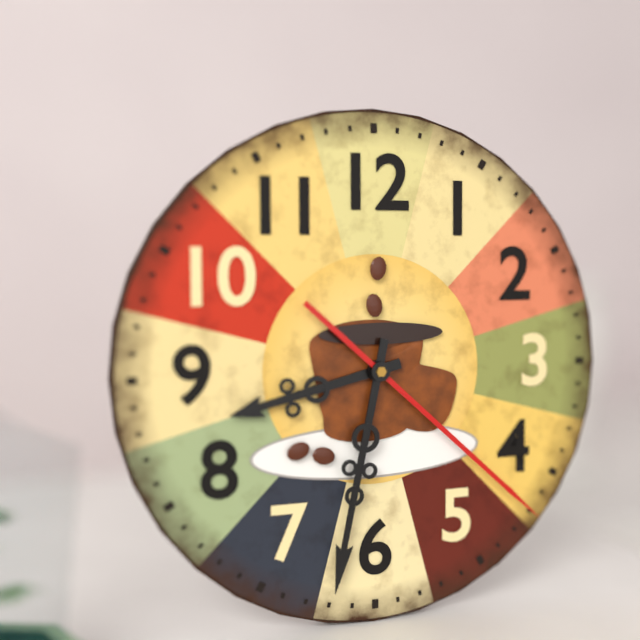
8:32:22
